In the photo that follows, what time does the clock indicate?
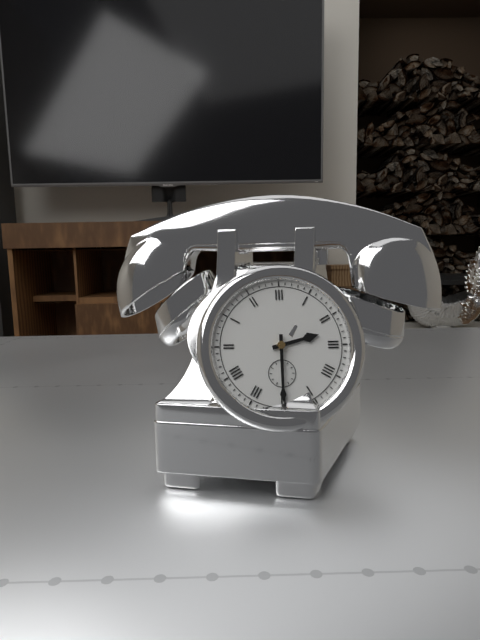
2:30
